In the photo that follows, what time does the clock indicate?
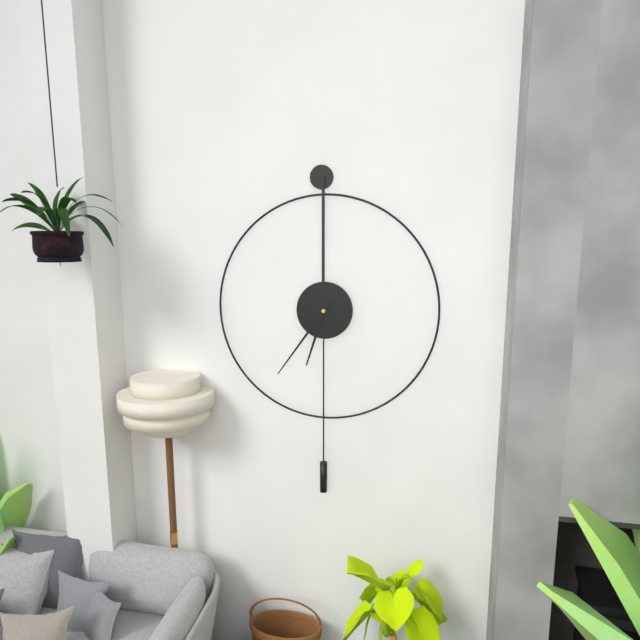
6:36
